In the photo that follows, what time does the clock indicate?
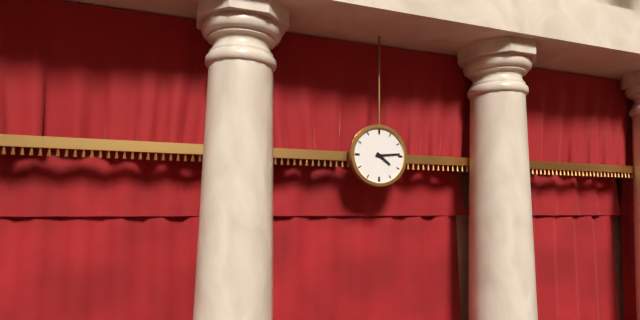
4:14
